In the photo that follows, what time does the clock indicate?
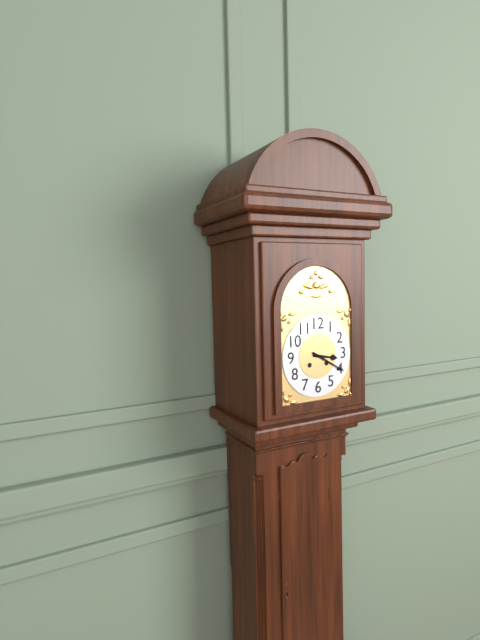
3:20
